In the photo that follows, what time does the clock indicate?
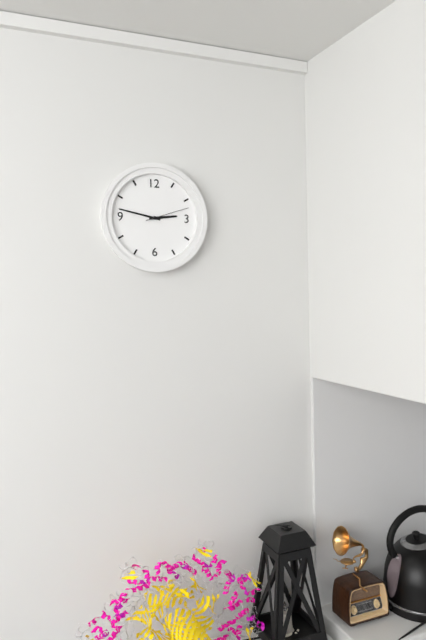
2:47
